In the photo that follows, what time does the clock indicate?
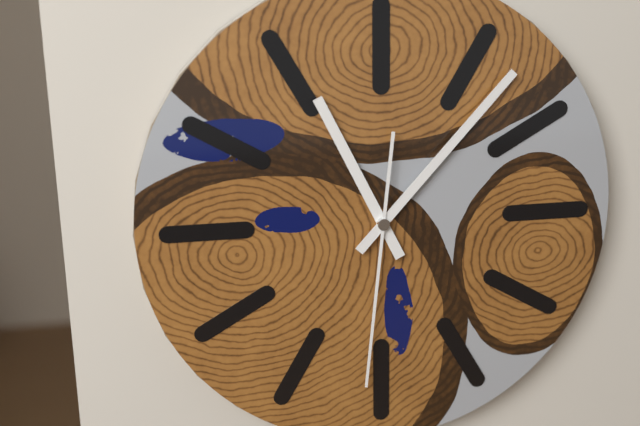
11:07:31
